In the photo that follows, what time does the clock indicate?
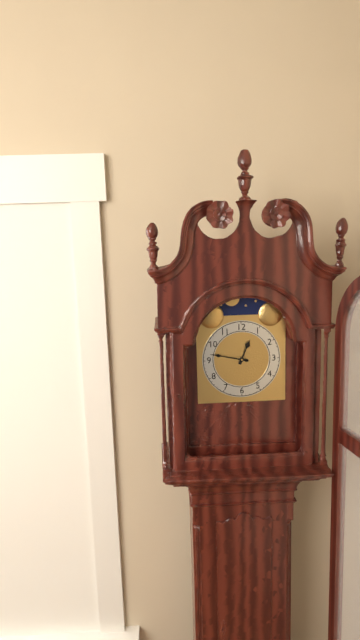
12:47
